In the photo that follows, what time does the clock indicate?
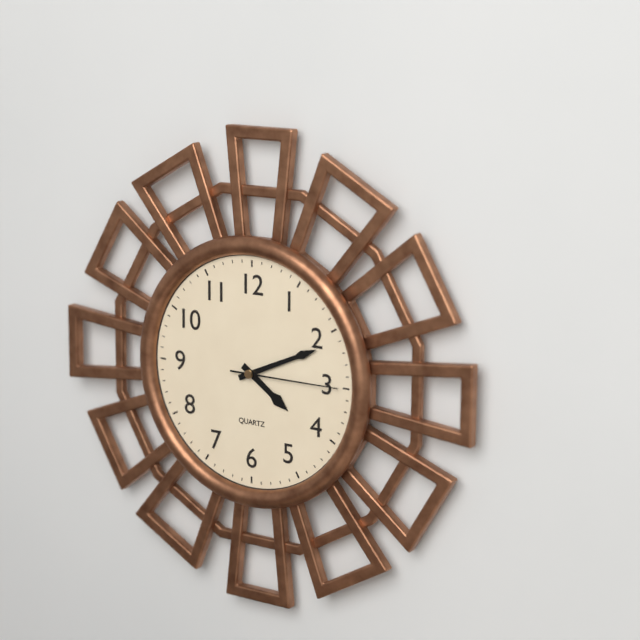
4:11:15
